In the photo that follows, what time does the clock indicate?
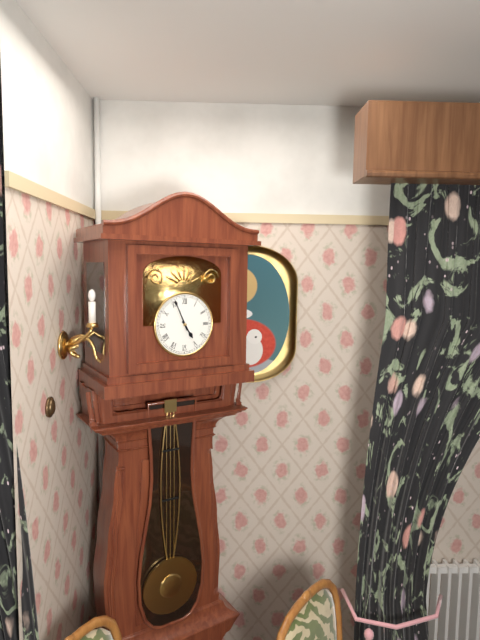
4:56
